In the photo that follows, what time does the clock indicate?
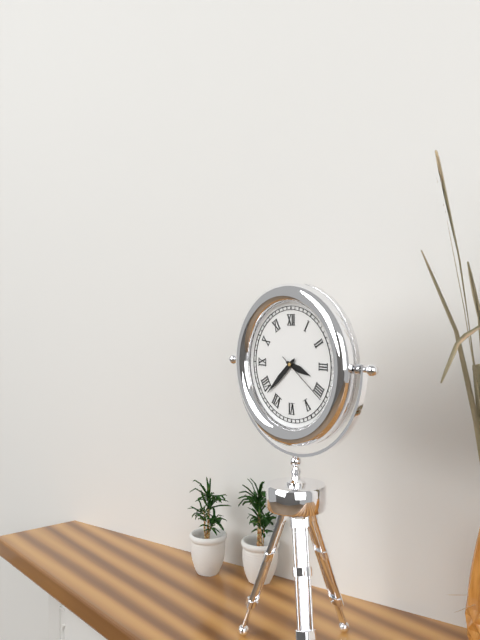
3:38:21
